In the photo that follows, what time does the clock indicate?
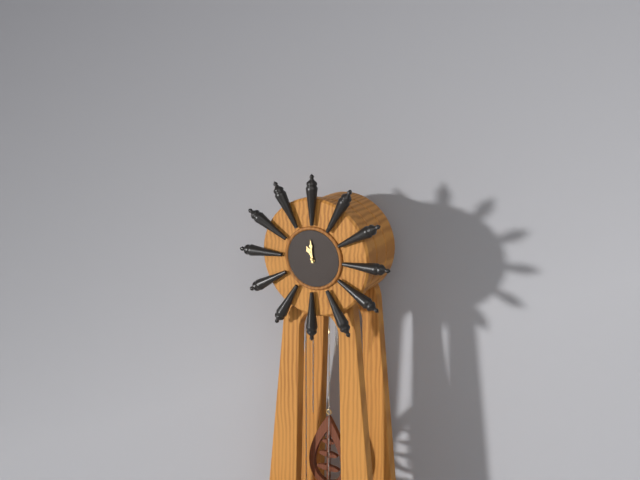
10:59
